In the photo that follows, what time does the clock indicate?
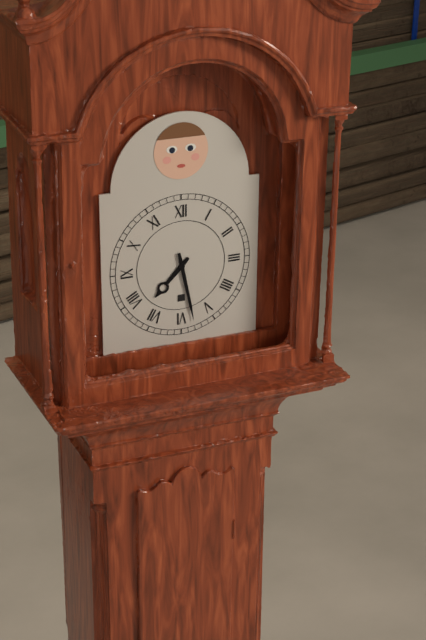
7:28
